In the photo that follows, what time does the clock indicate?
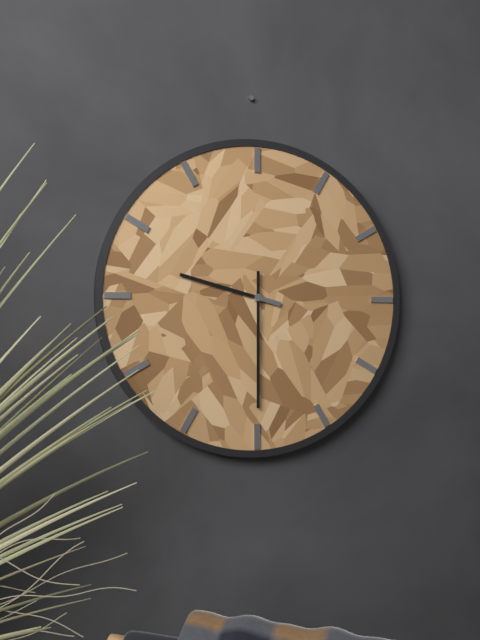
9:30
